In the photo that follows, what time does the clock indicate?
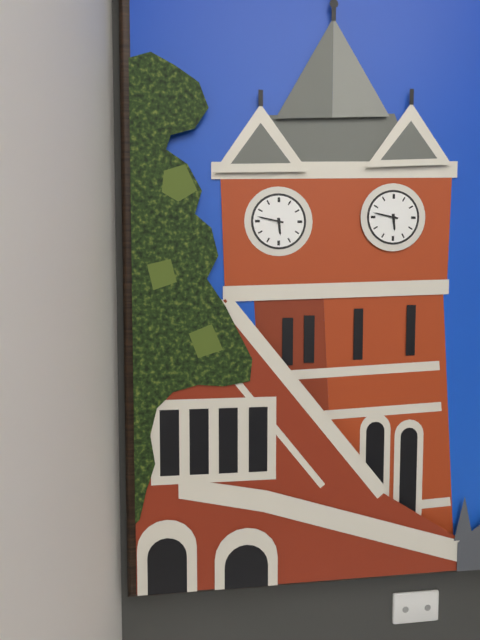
5:47
